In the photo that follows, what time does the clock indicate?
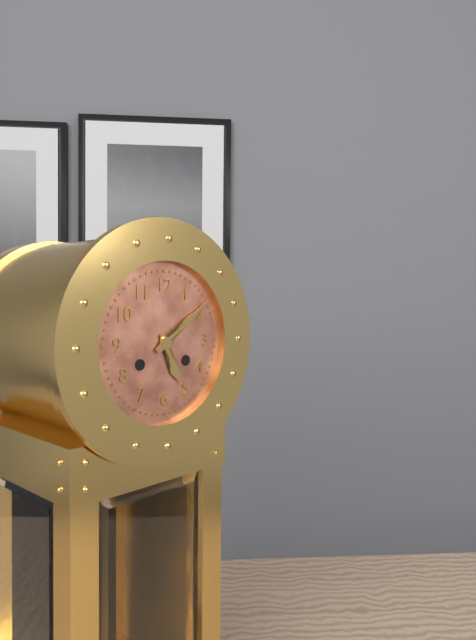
5:09
